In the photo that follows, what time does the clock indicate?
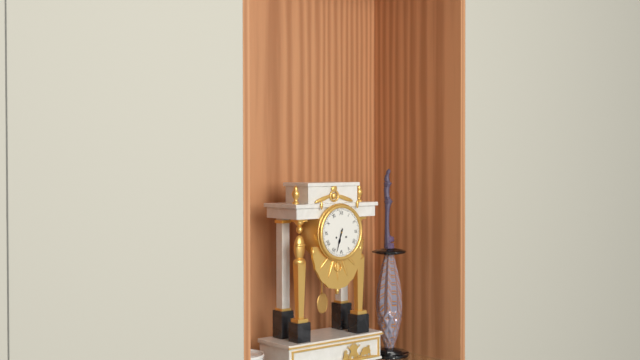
6:33
